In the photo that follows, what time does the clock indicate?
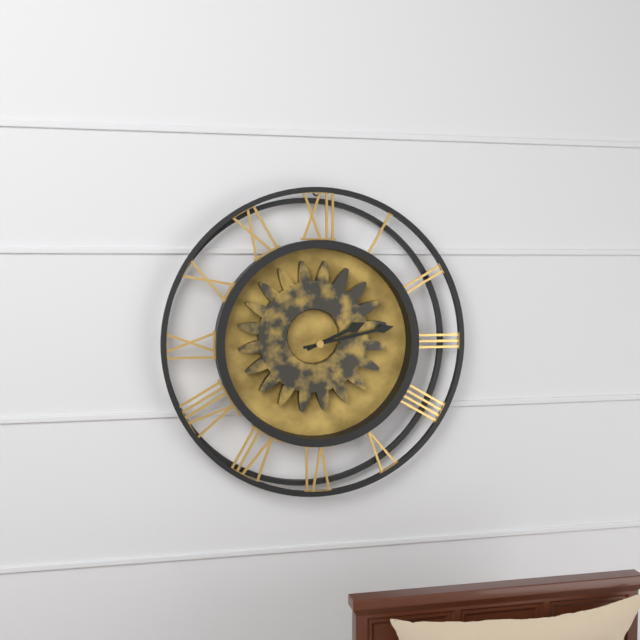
2:13
